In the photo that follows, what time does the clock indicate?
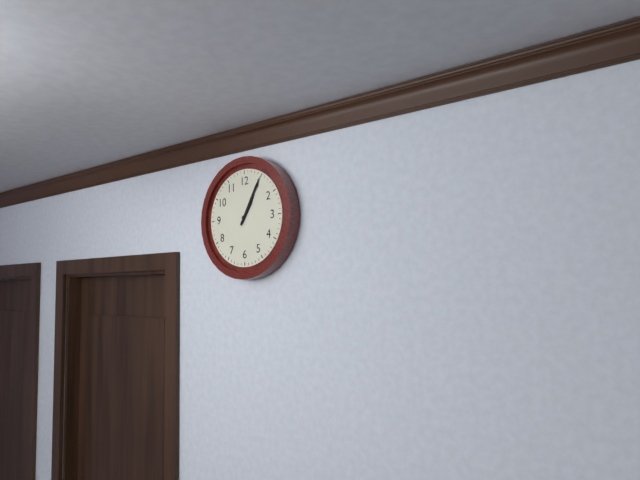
1:05
